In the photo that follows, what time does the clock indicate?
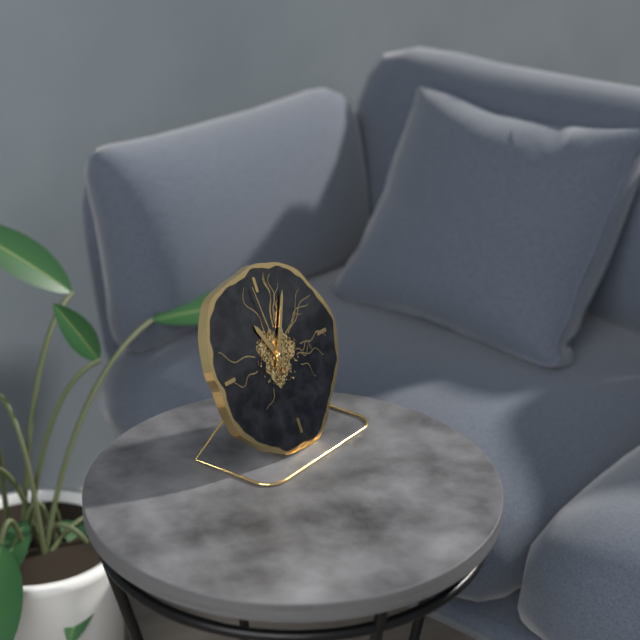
11:05:59
